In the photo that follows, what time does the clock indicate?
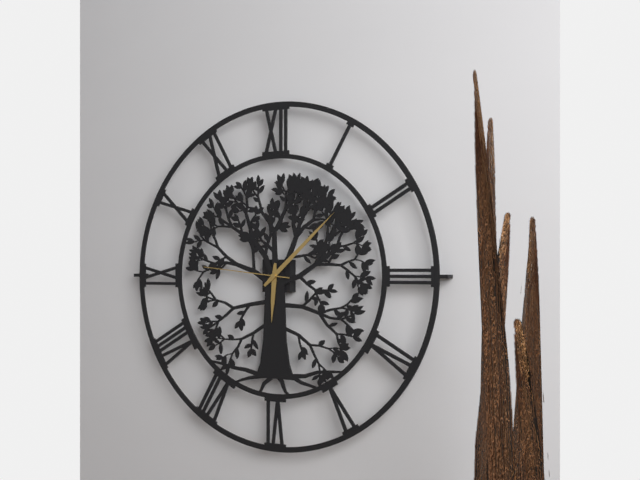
6:08:46
